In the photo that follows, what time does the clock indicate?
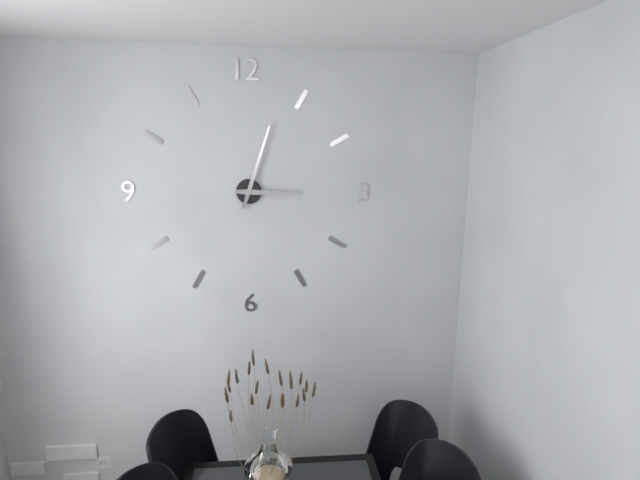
3:03
